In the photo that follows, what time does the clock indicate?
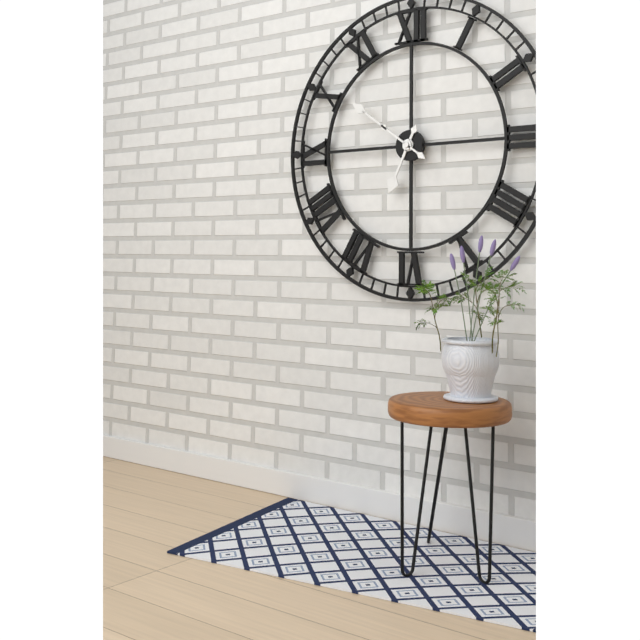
6:51
